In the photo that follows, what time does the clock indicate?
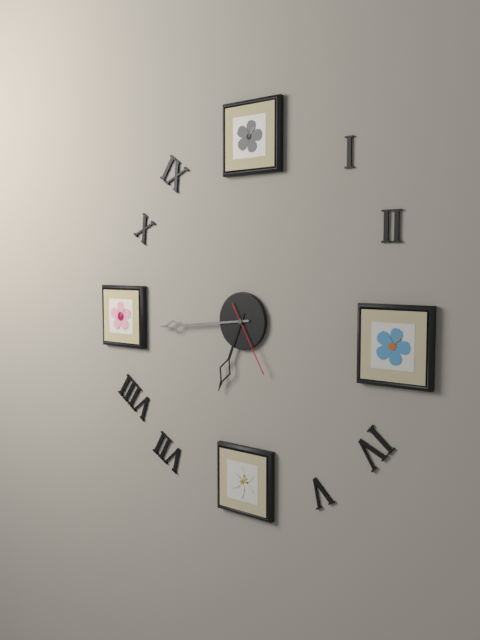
6:44:25
